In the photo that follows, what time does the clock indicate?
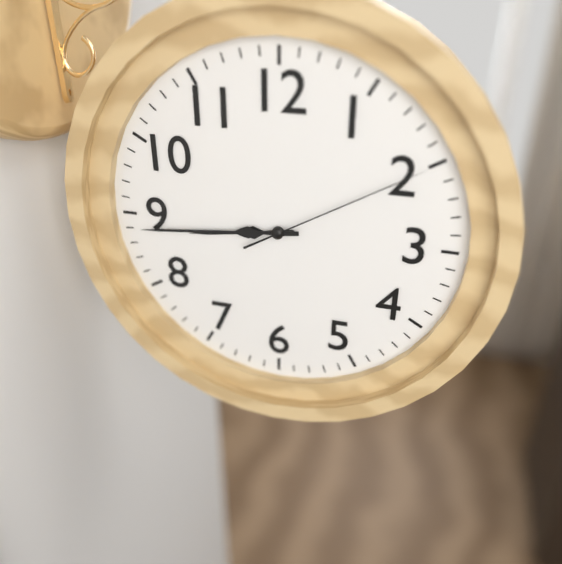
8:44:10
